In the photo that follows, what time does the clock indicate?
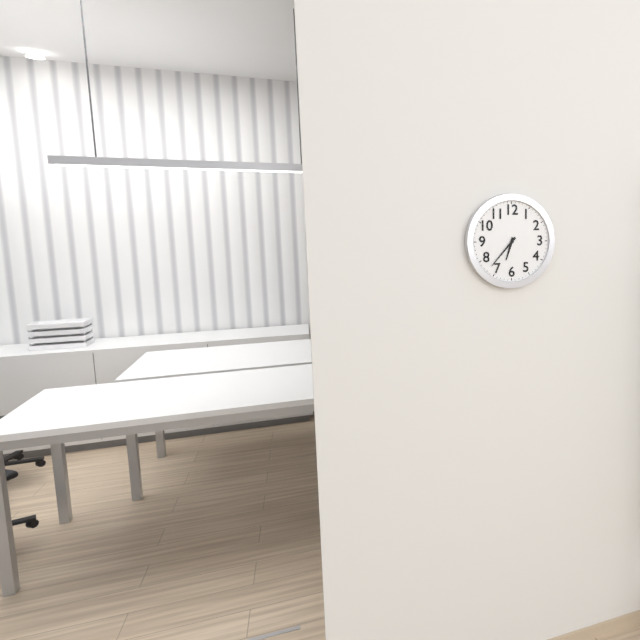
6:37
